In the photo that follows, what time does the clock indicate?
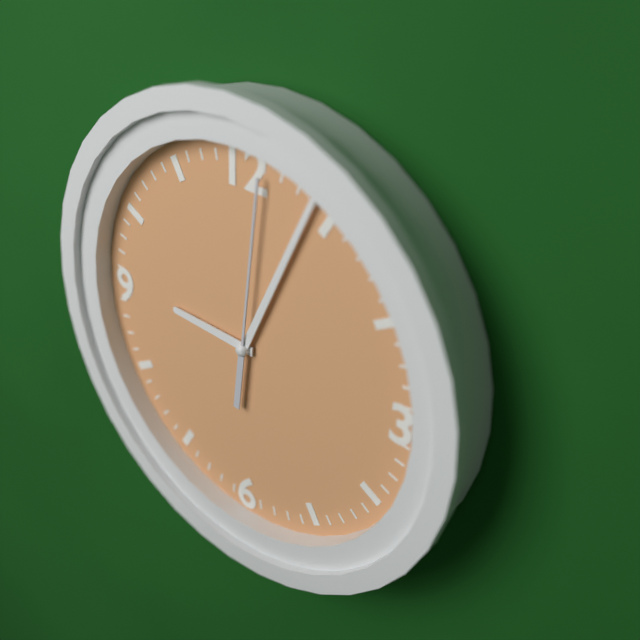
9:04:01
